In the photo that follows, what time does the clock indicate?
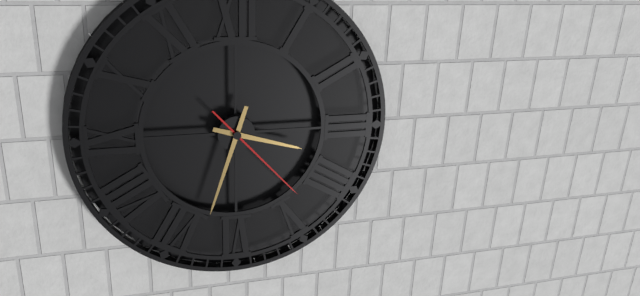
3:33:23
